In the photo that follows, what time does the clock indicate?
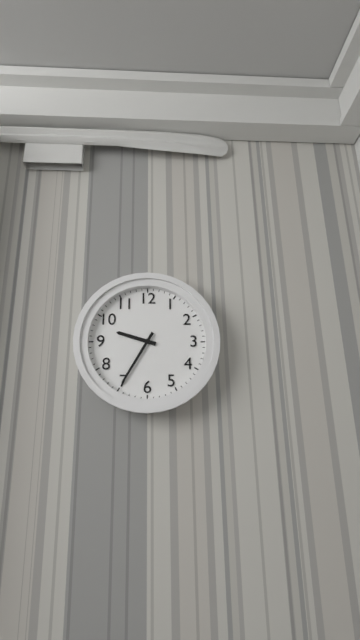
9:35
